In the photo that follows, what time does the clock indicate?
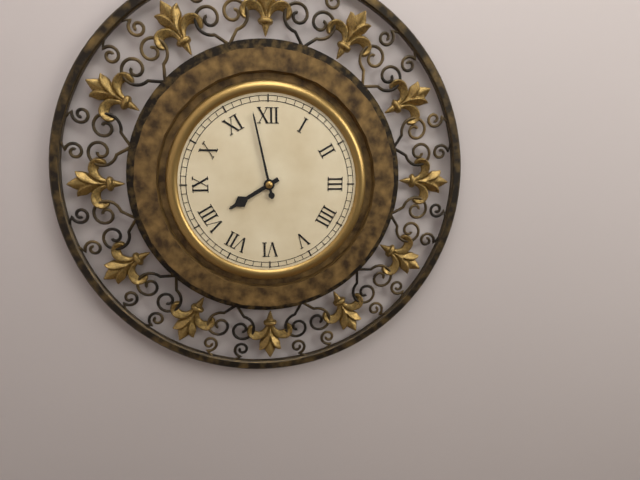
7:58
